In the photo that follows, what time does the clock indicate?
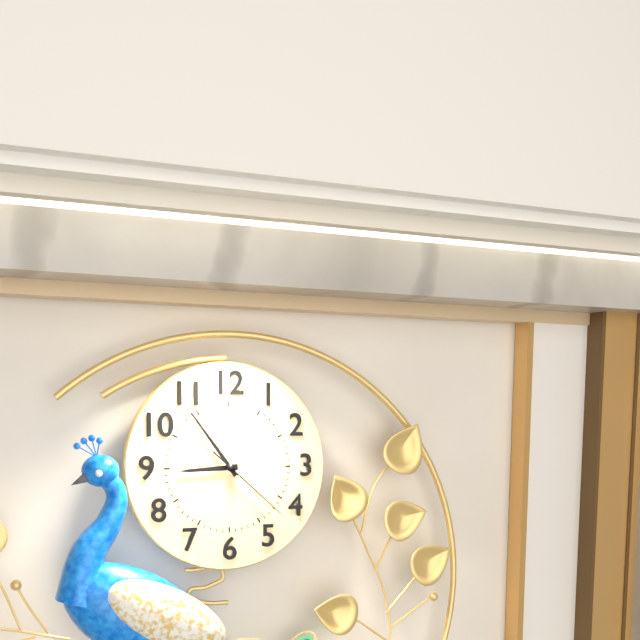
8:54:22
